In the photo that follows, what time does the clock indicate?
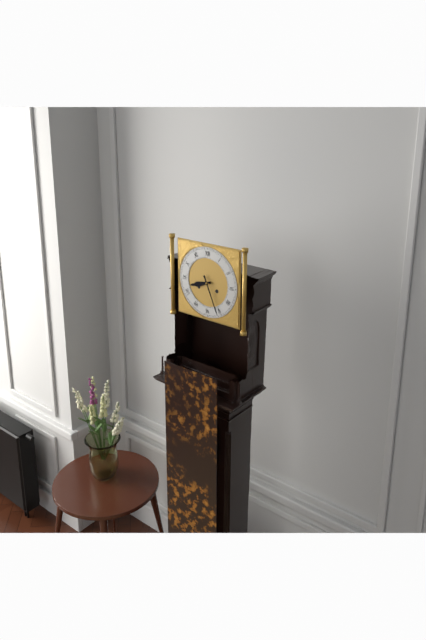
8:26
